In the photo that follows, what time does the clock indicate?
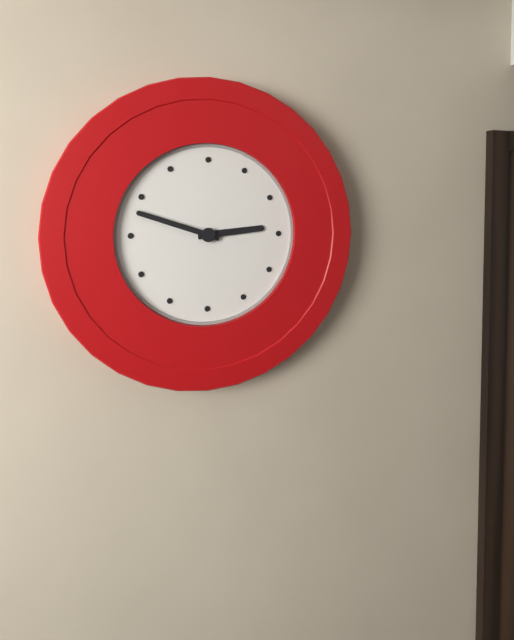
2:48
